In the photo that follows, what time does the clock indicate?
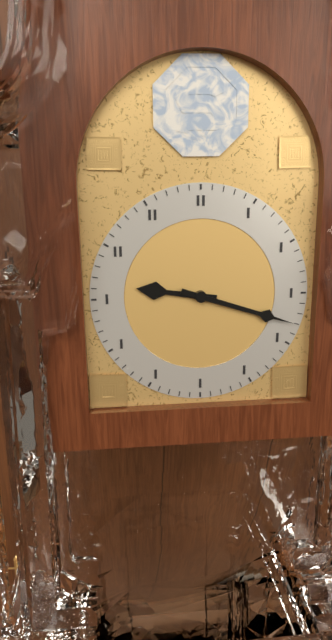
9:18
